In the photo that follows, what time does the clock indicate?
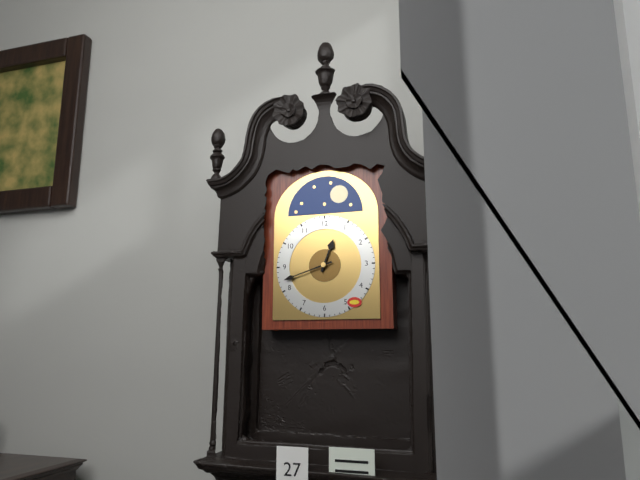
12:42
